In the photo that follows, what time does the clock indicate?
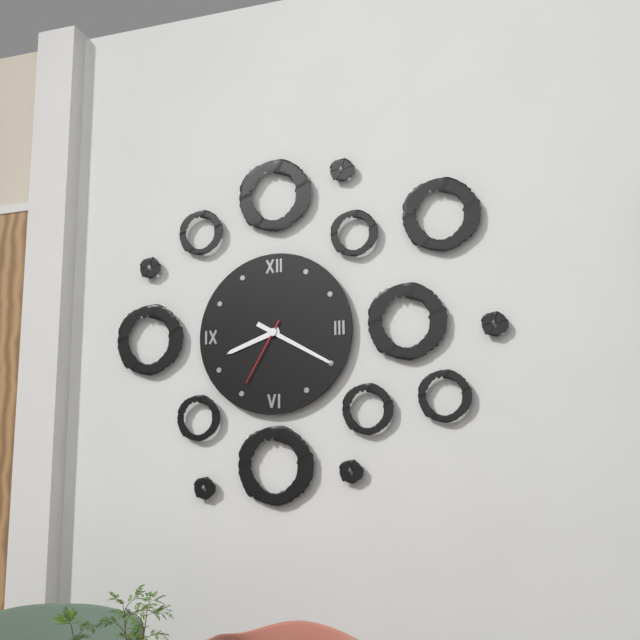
8:20:35
